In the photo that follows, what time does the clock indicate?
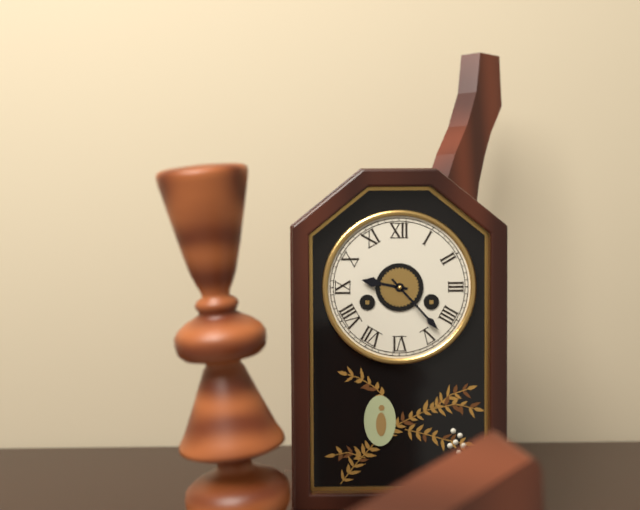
9:23
